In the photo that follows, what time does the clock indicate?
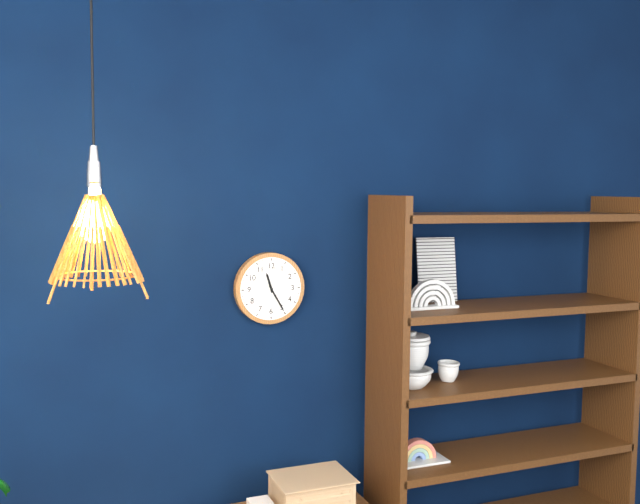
11:25
